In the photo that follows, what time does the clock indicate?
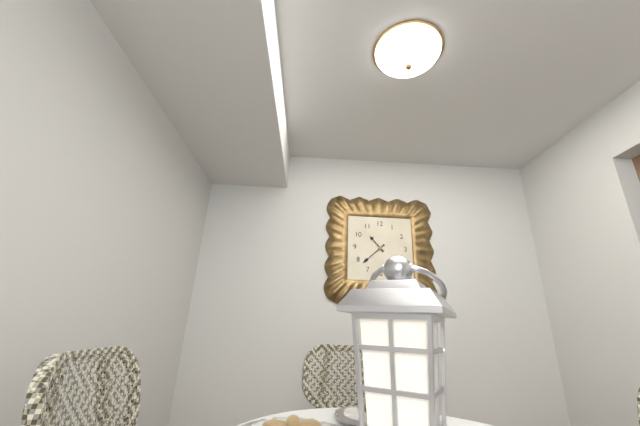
10:38
